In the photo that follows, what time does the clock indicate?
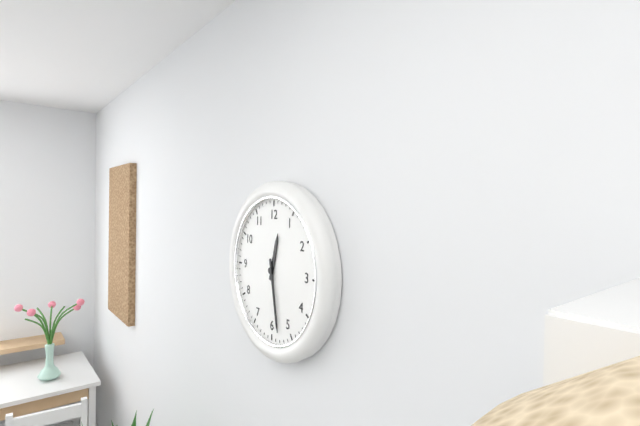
12:28
